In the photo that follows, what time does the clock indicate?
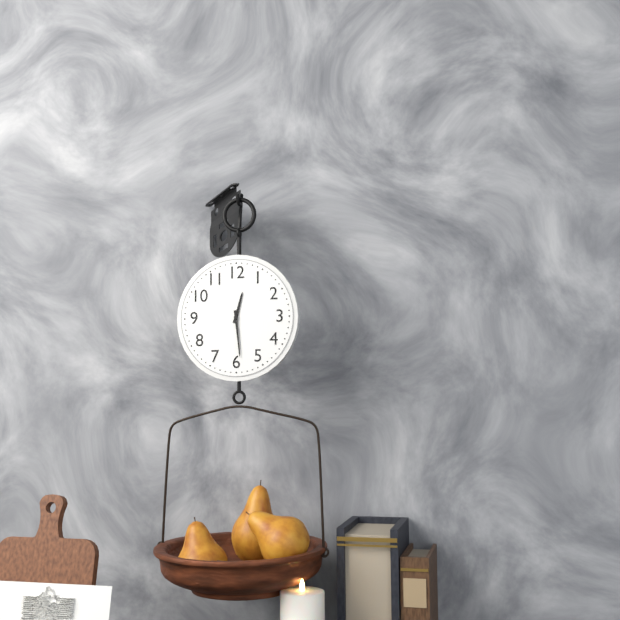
12:29
